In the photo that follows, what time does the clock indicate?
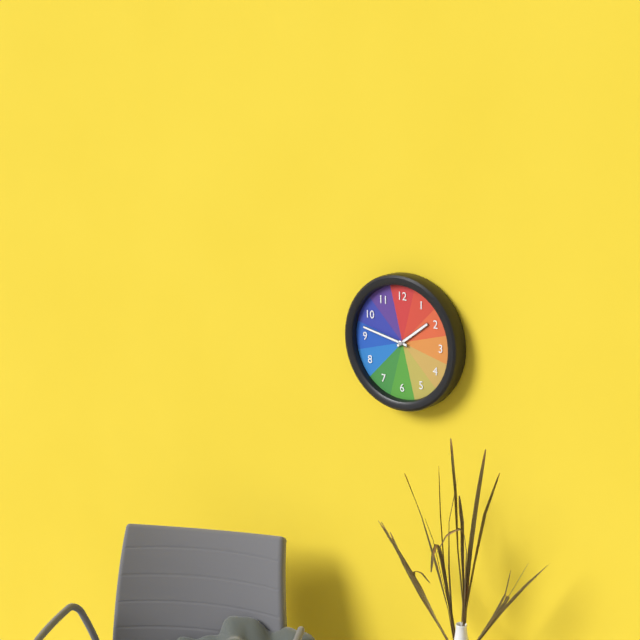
1:47
